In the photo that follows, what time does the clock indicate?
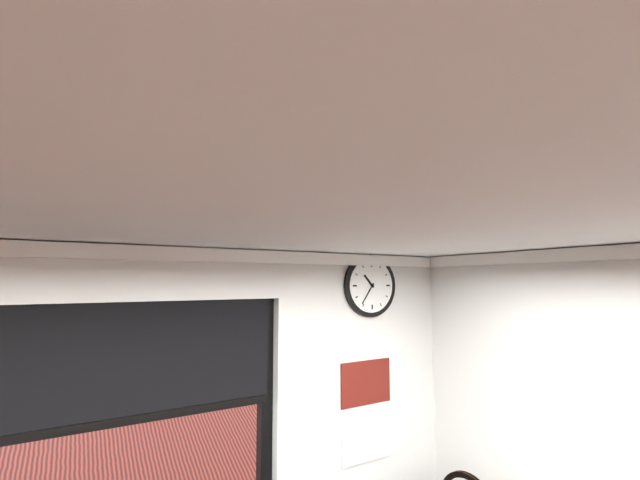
10:36
